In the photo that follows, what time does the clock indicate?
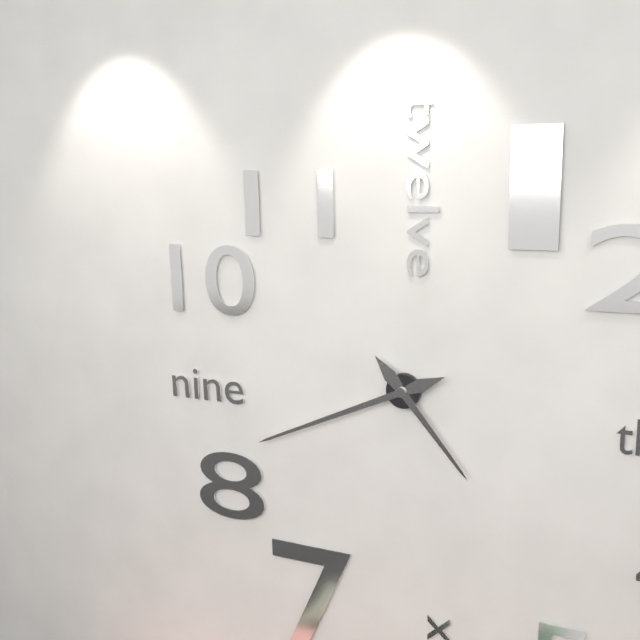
4:41
